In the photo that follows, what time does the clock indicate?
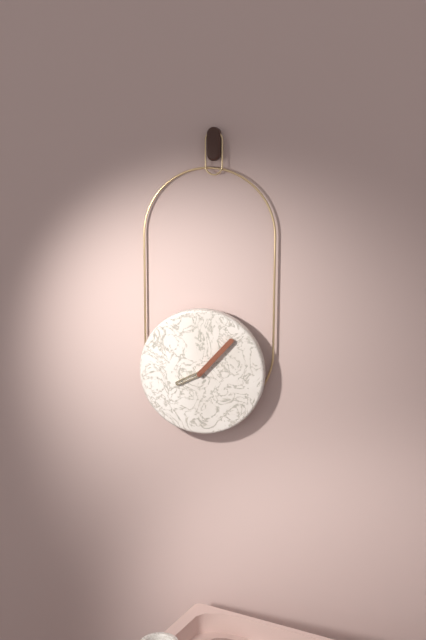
8:07
